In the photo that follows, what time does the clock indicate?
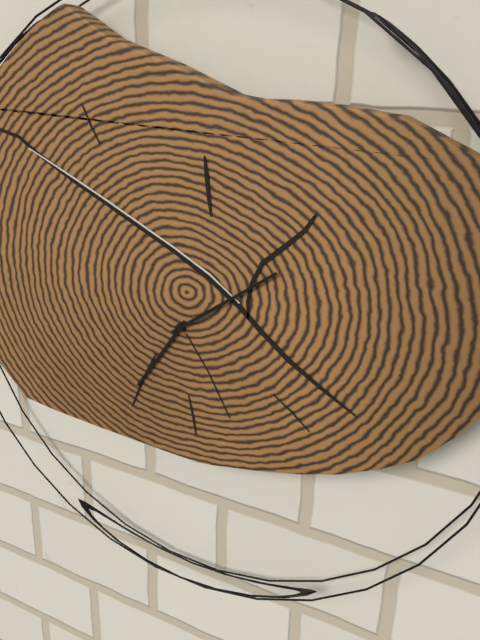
7:09
